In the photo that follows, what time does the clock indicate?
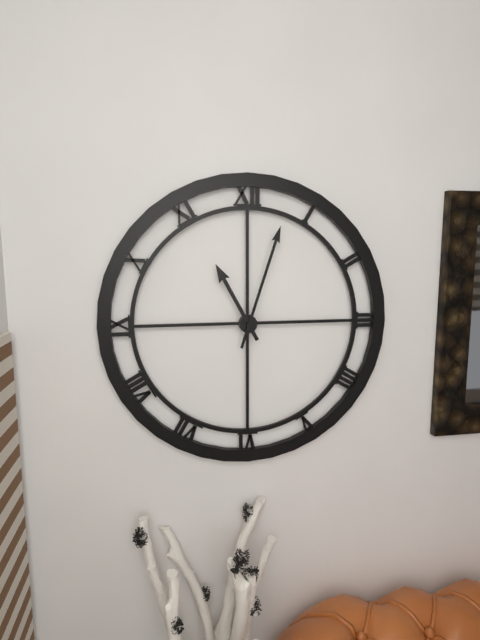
11:03
